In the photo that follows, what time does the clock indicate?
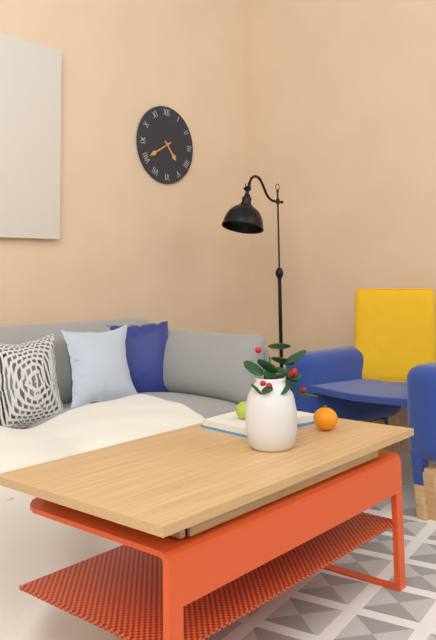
4:40
